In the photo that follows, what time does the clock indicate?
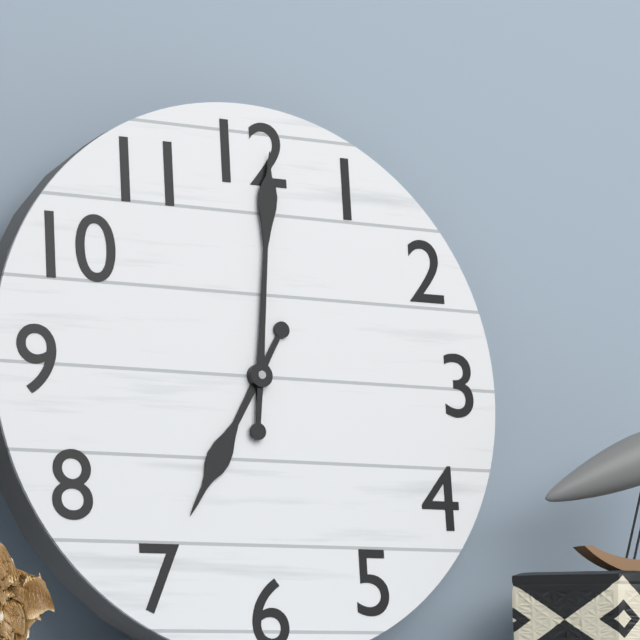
7:01
